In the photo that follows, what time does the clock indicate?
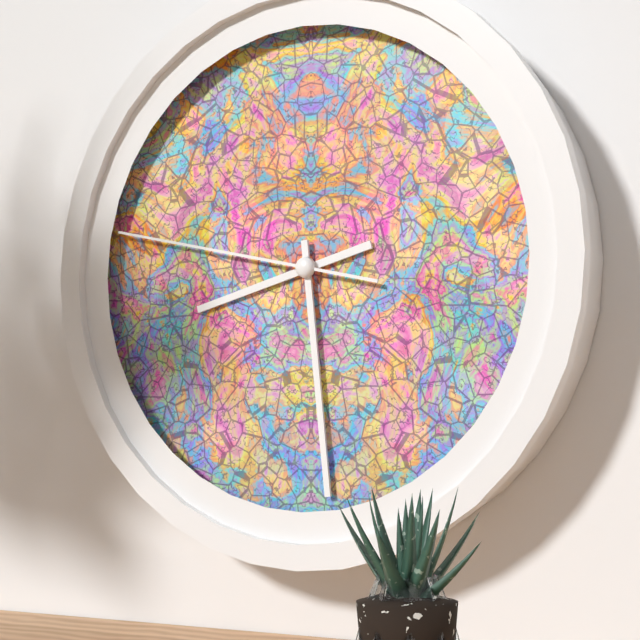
8:29:47
